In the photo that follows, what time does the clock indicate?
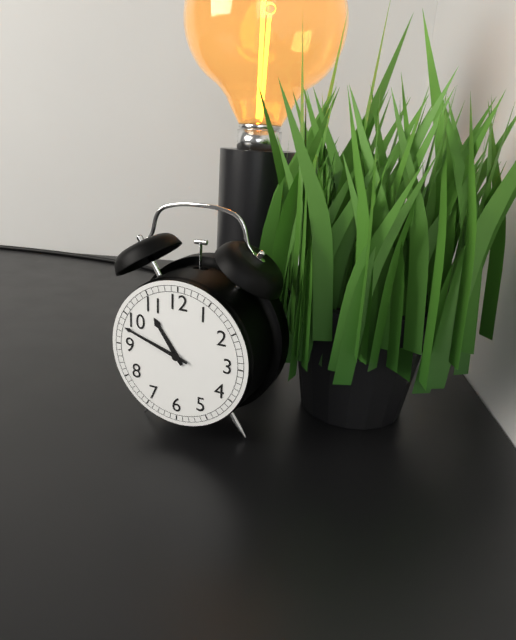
10:48
